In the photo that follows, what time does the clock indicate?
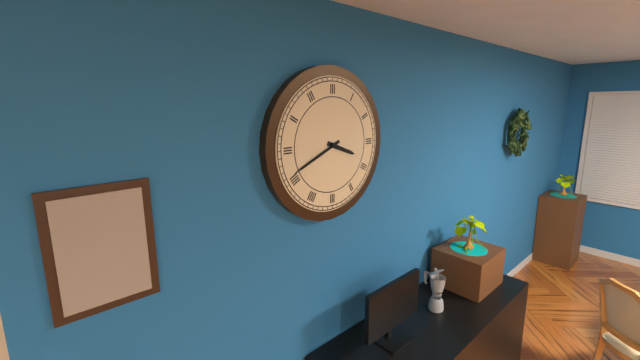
3:41
